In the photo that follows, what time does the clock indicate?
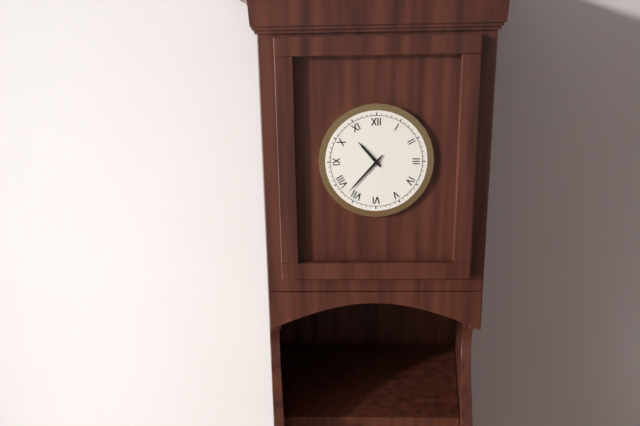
10:37
